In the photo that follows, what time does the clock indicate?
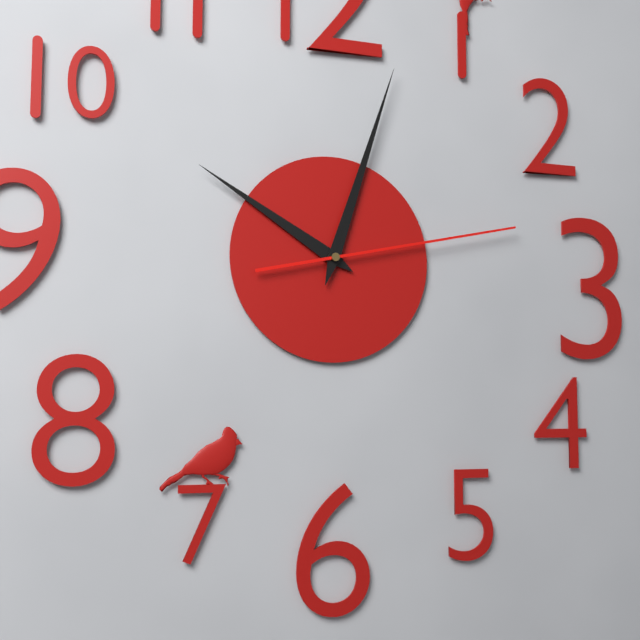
10:03:13
